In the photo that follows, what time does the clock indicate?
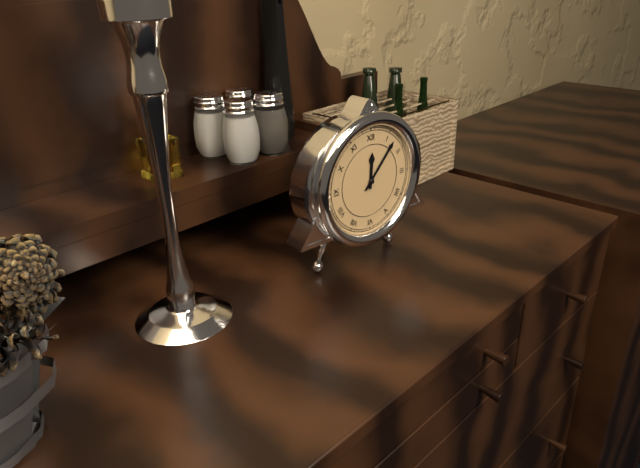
12:07
